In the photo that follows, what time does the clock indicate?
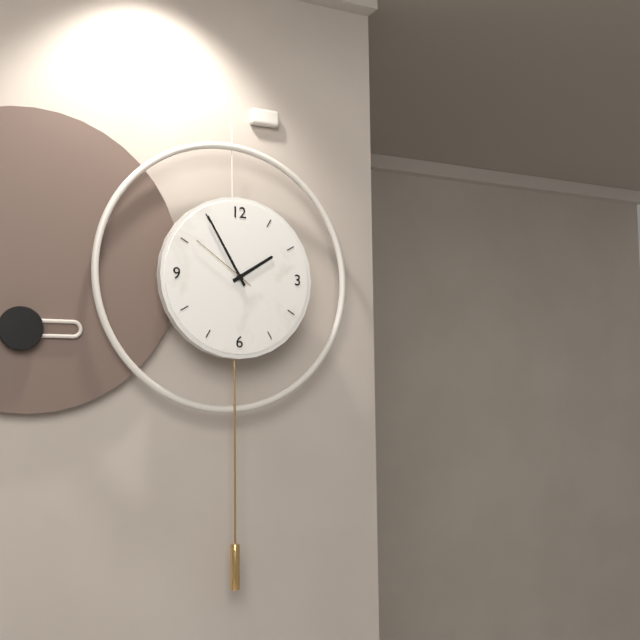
1:55:51
